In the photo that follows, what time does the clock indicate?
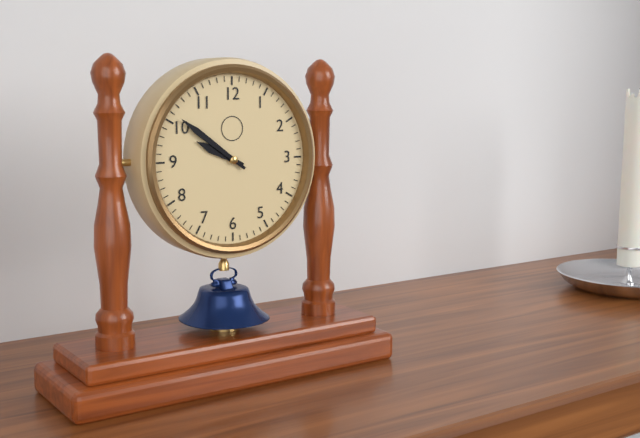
9:51
